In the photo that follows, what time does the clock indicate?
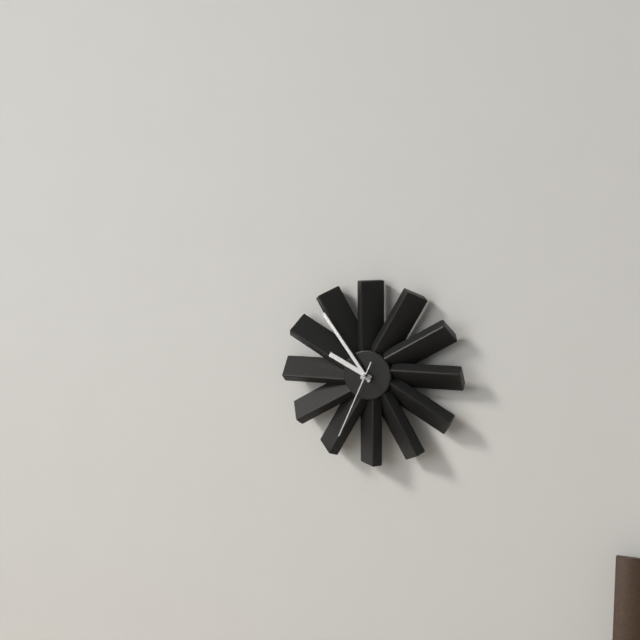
9:54:34
